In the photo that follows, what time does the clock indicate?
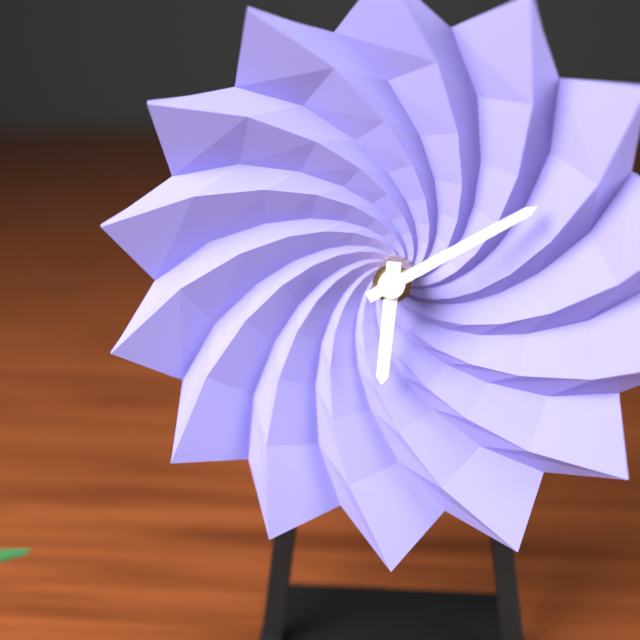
6:10
